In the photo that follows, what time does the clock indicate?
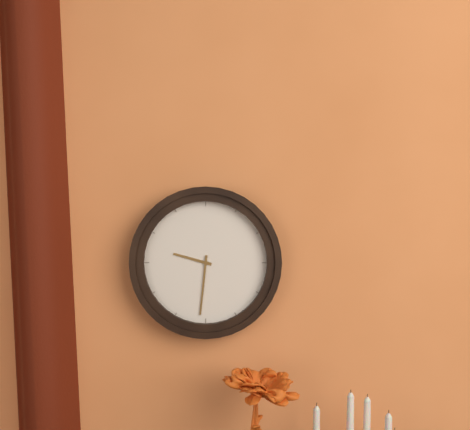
9:31
